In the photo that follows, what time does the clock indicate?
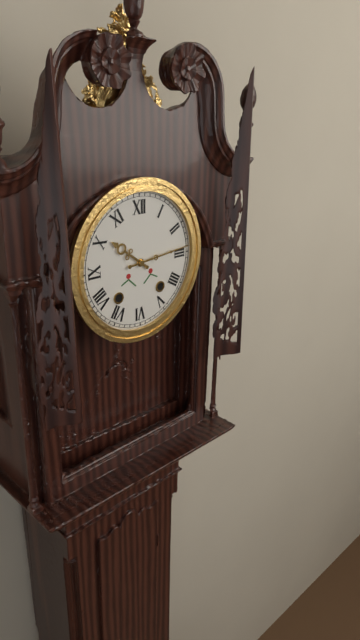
10:14
